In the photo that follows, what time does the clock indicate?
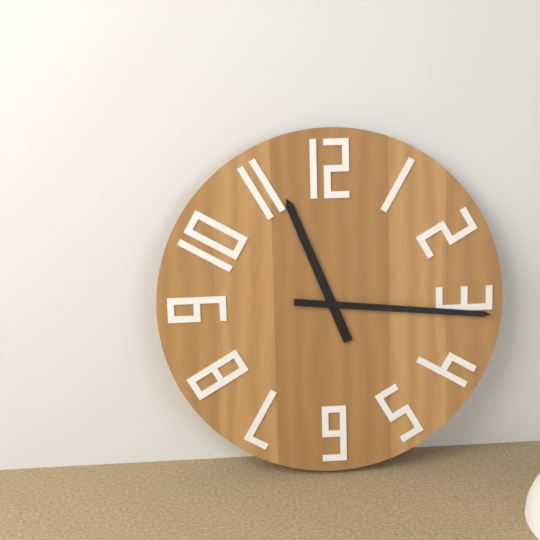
11:16
